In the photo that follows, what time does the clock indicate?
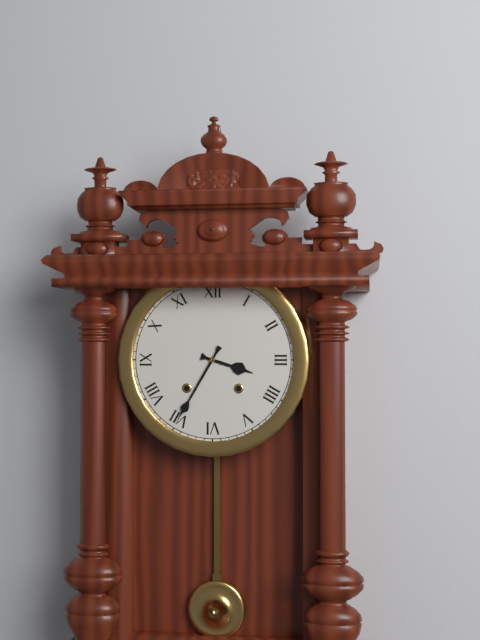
3:35
